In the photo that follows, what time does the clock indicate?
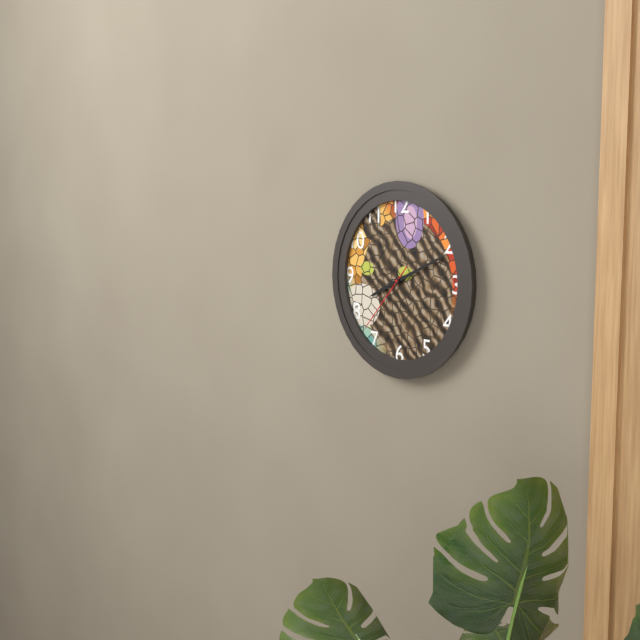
8:11:37
